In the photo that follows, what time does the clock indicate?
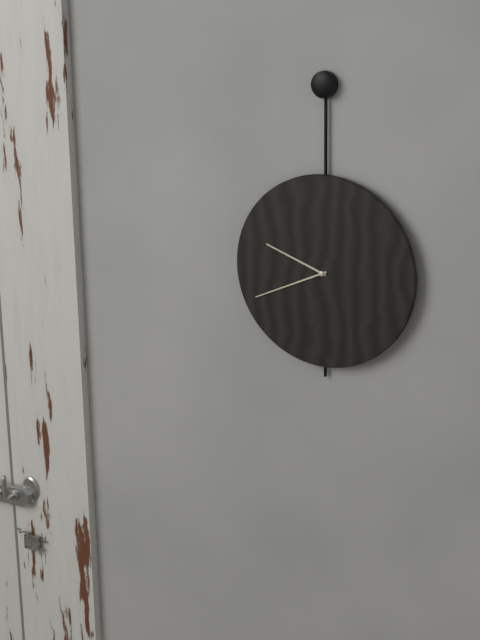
9:41
